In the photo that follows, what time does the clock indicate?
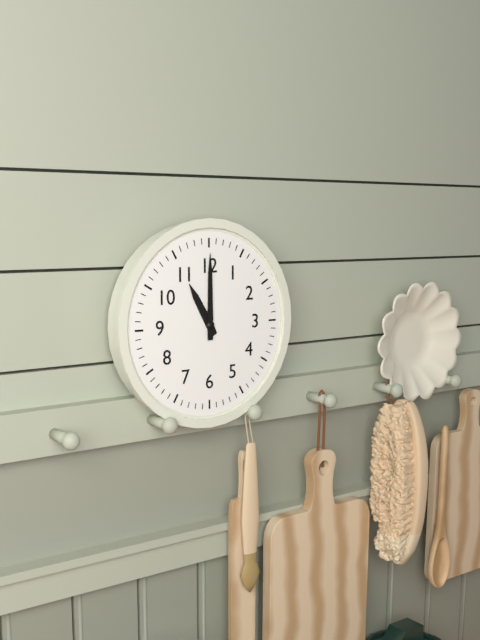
11:00
